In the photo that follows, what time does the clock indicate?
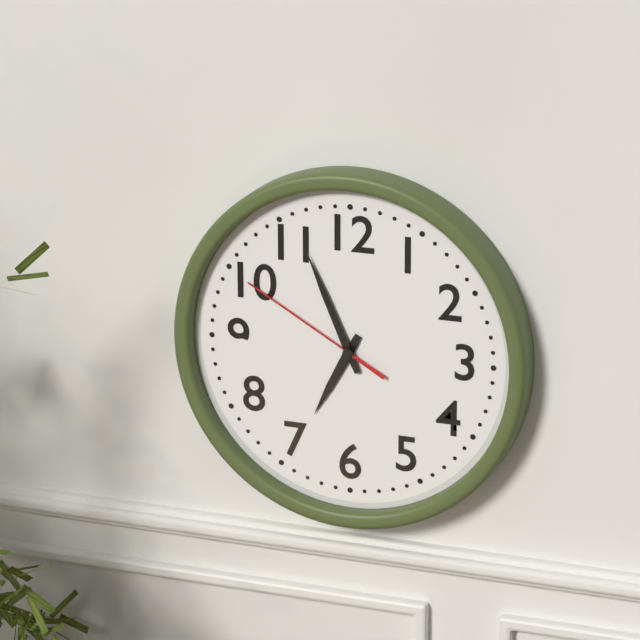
6:56:50
